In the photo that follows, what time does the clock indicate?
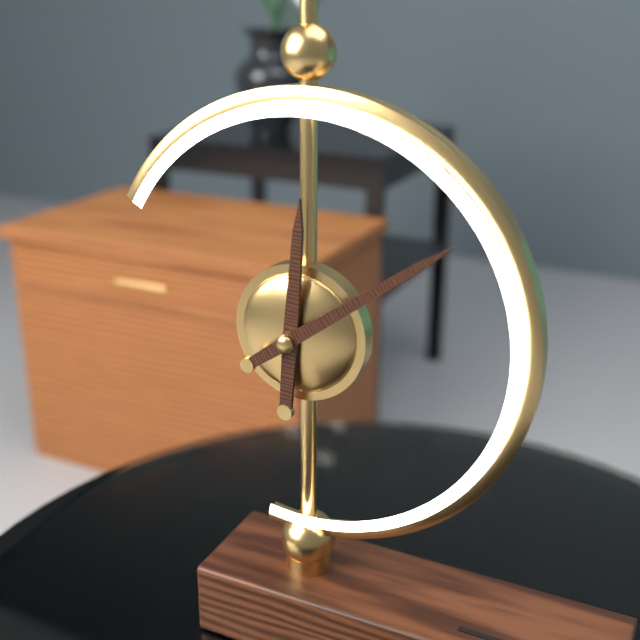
12:09
